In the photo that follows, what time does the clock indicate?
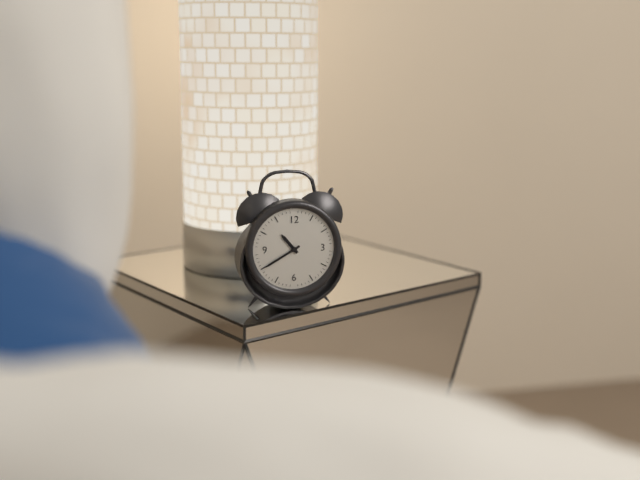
10:40
